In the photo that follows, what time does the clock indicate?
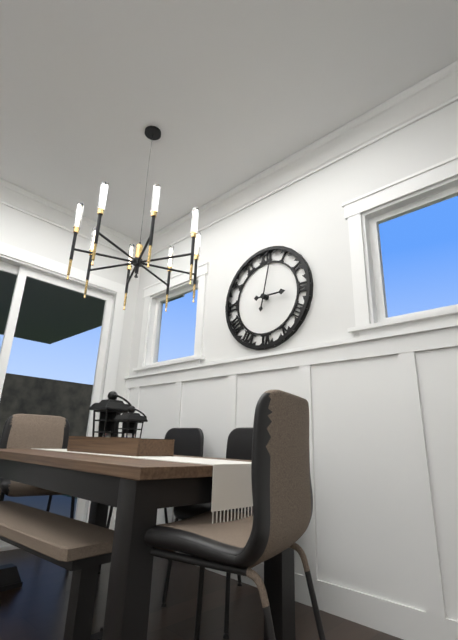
3:02
